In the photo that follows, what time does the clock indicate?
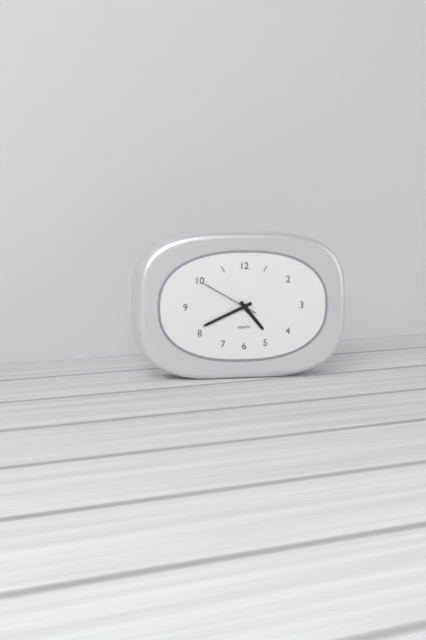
4:41:50
